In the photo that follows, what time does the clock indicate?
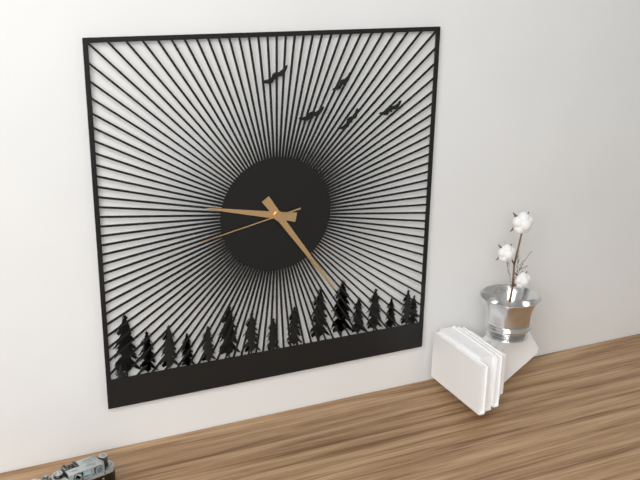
9:24:43
